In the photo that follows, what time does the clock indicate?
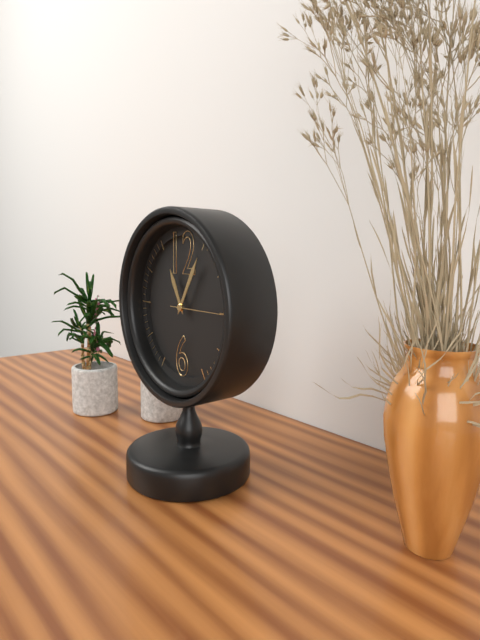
11:05:15
